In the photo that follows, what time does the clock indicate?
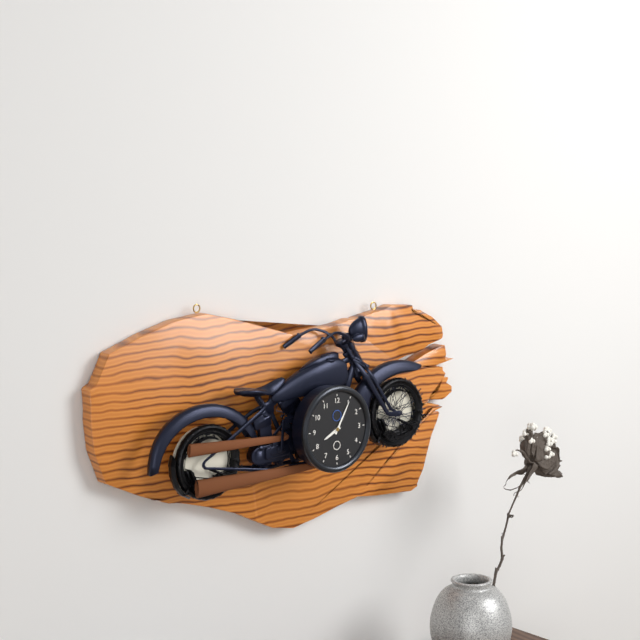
8:05
